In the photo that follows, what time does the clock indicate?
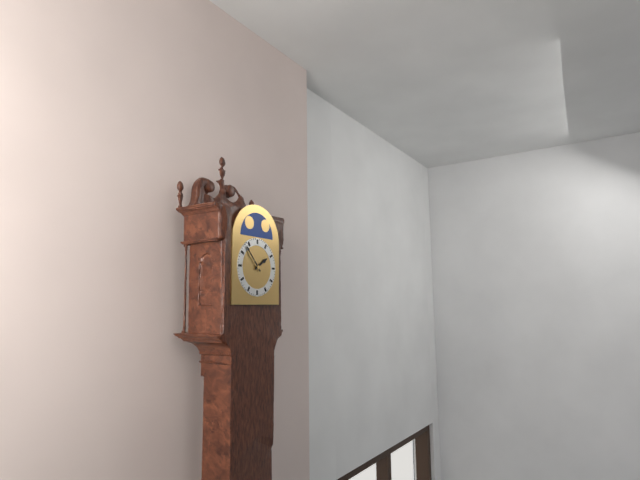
1:53
